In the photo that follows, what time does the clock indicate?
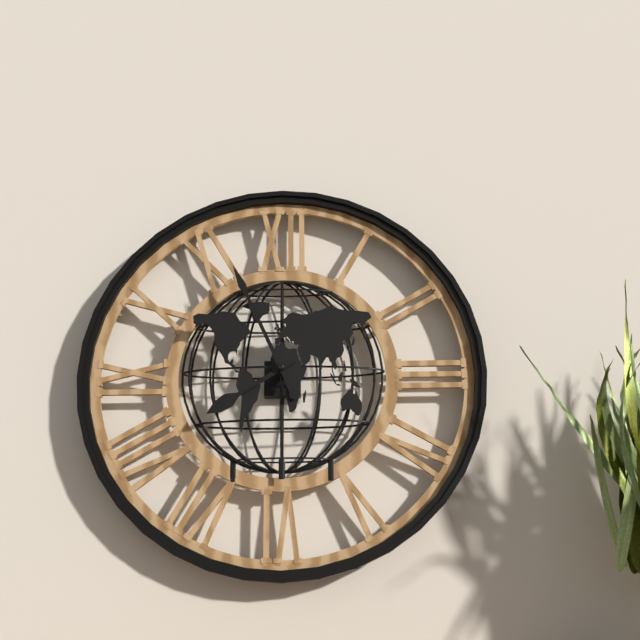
7:56
